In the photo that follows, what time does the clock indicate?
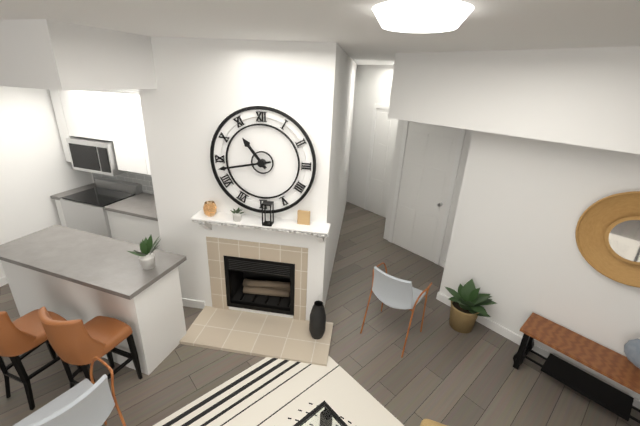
10:43
